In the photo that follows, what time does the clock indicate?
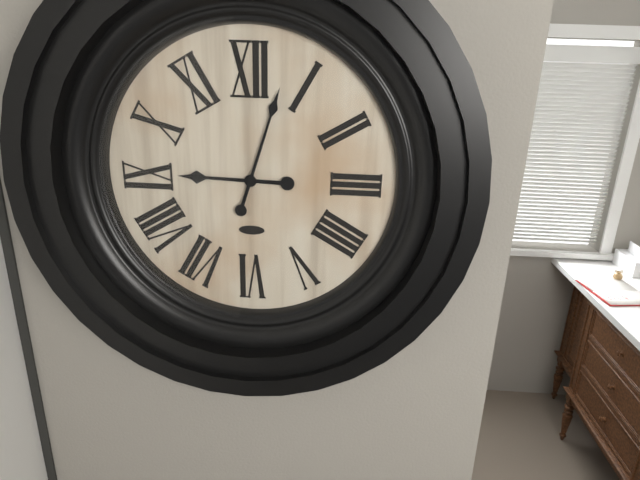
9:03
